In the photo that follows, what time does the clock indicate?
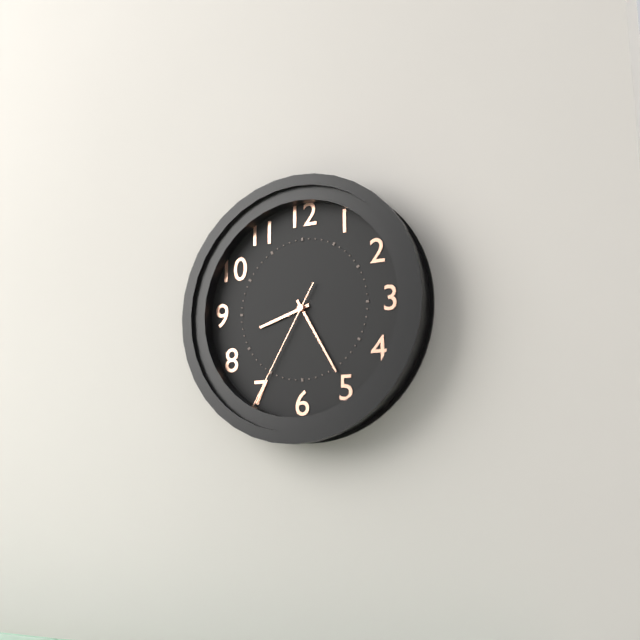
8:25:35
